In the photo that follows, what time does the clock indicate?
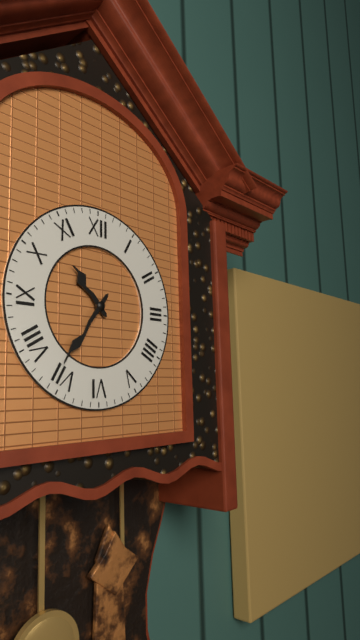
10:36
